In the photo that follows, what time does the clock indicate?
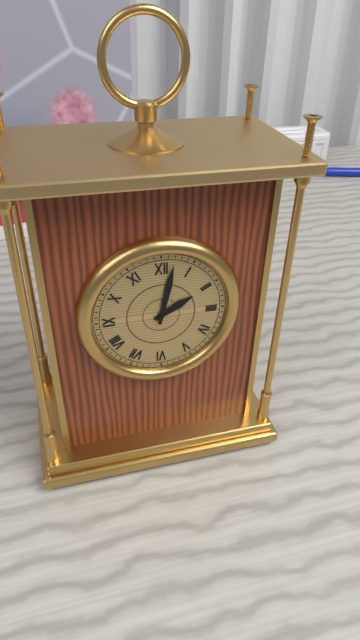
2:02
